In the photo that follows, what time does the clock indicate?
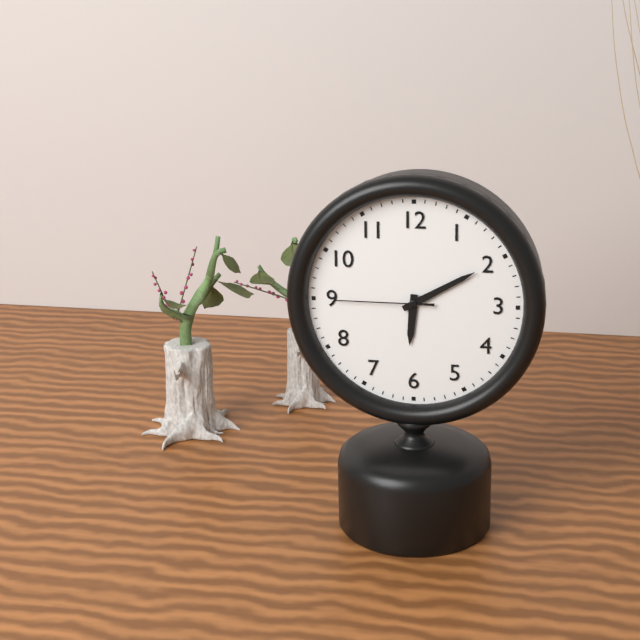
6:10:45
